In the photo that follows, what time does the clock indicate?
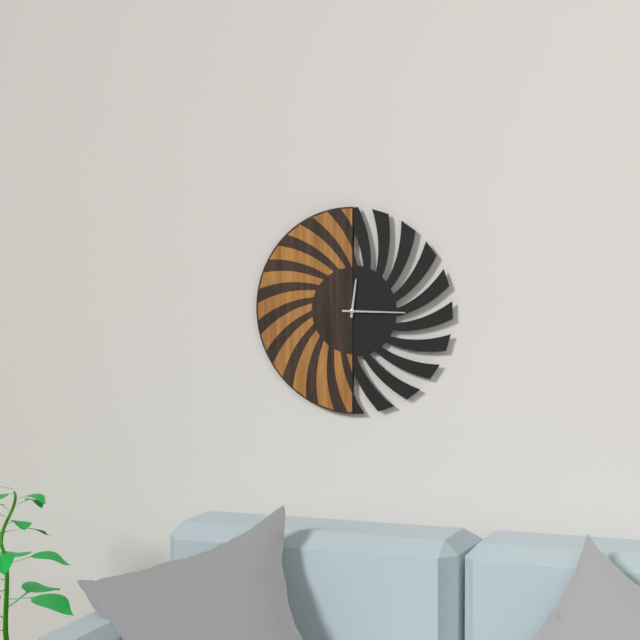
12:15
